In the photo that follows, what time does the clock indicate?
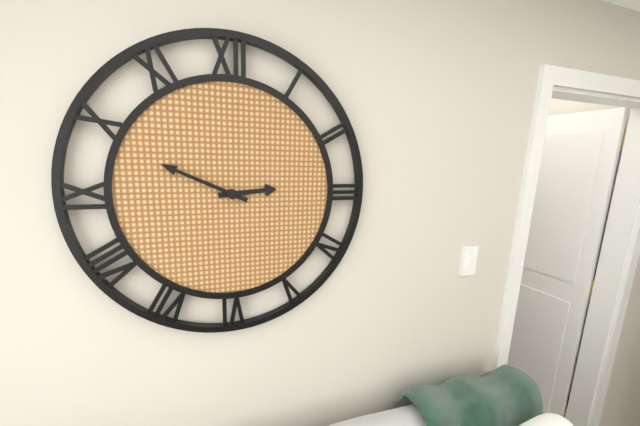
2:49
